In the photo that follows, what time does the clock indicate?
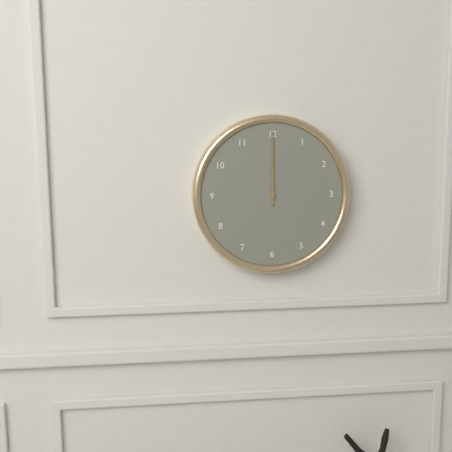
12:00
